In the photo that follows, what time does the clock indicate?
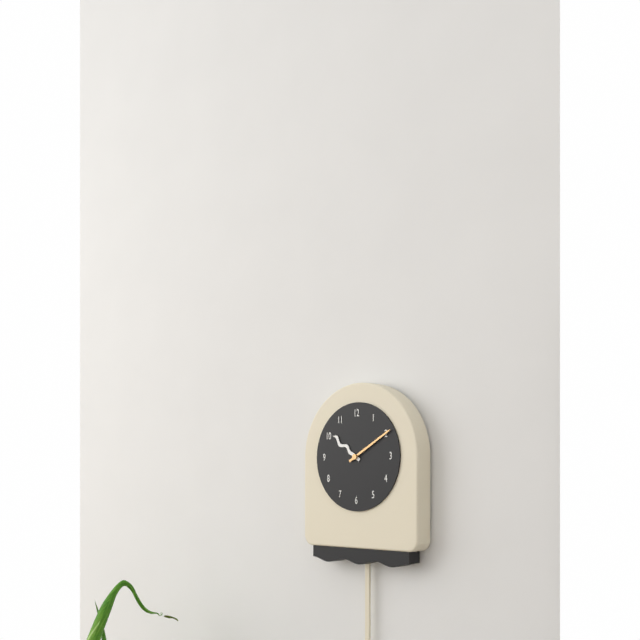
10:10
